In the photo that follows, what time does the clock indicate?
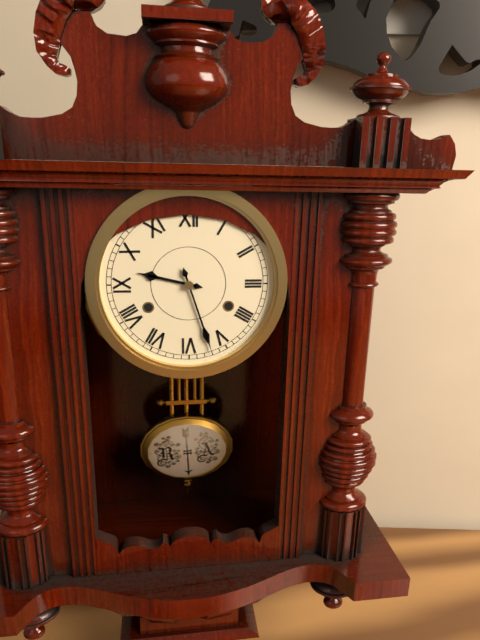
9:27
